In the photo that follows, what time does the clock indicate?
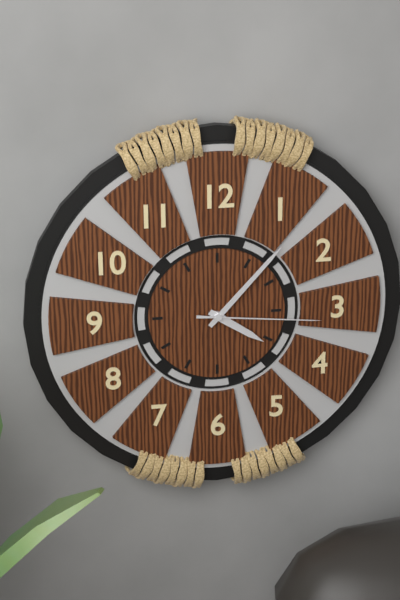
4:07:16
